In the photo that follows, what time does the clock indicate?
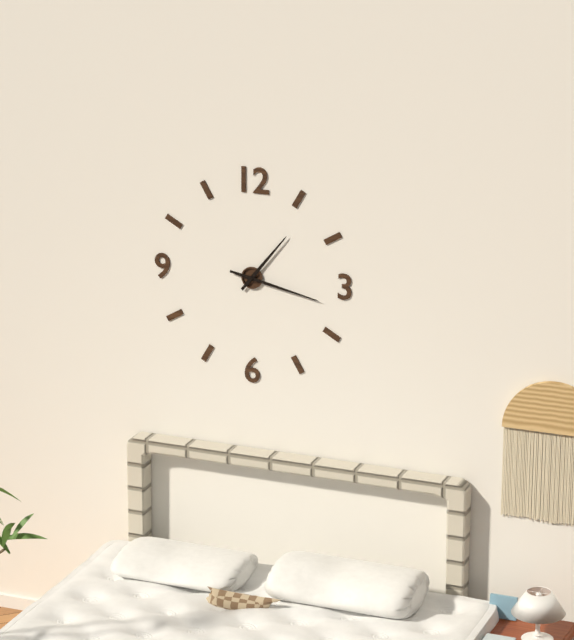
1:17
